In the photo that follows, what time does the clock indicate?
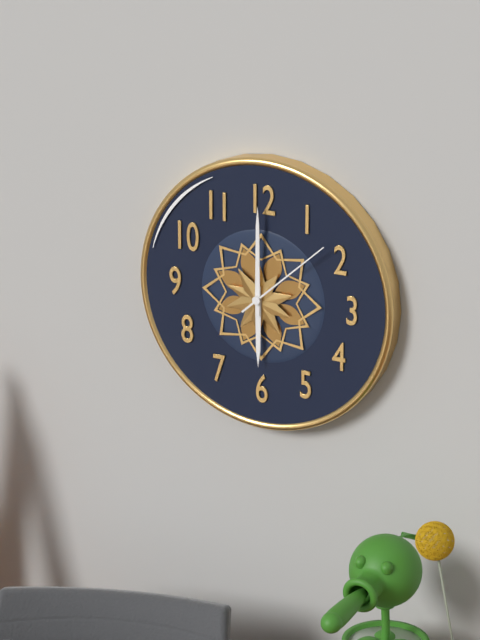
6:00:08
